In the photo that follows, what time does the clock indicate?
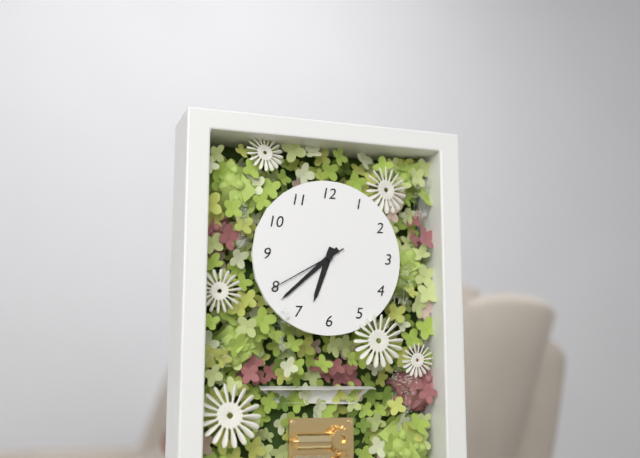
6:38:40
